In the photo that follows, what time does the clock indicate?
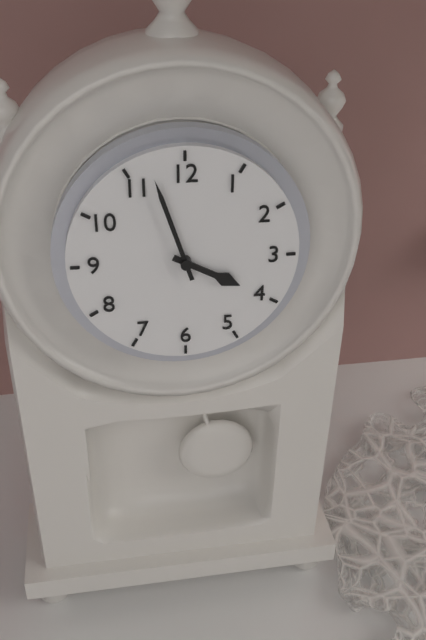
3:57
